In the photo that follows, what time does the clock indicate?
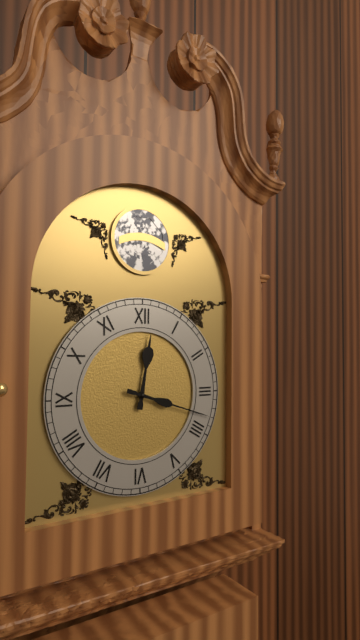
12:18
